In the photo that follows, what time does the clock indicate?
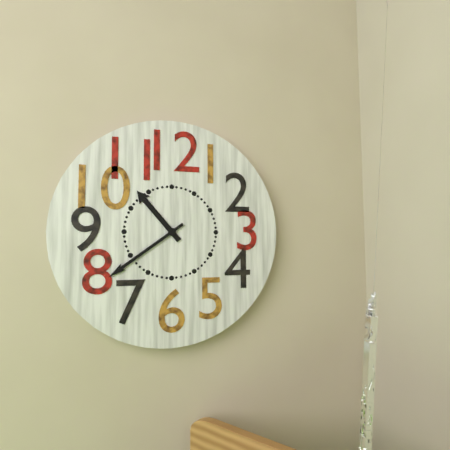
10:39
